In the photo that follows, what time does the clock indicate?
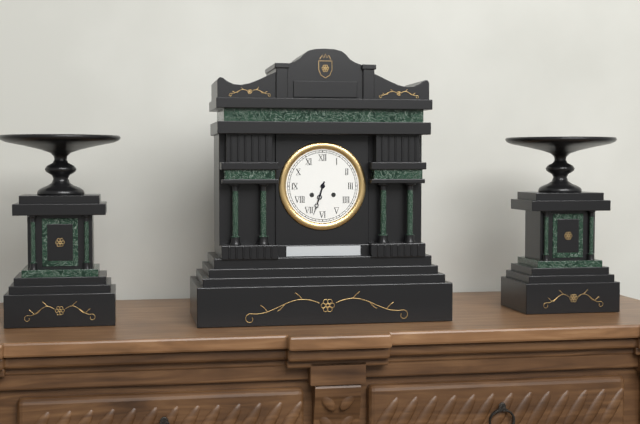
6:33
